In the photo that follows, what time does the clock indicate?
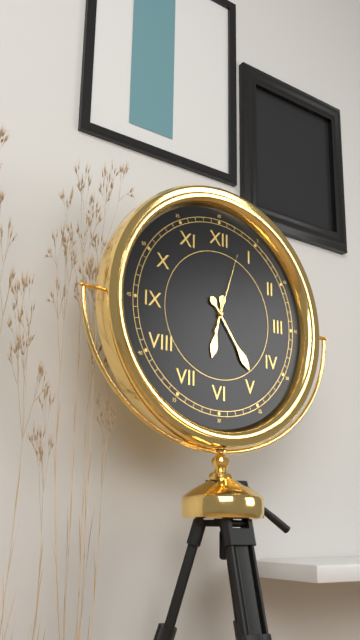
6:24:03
